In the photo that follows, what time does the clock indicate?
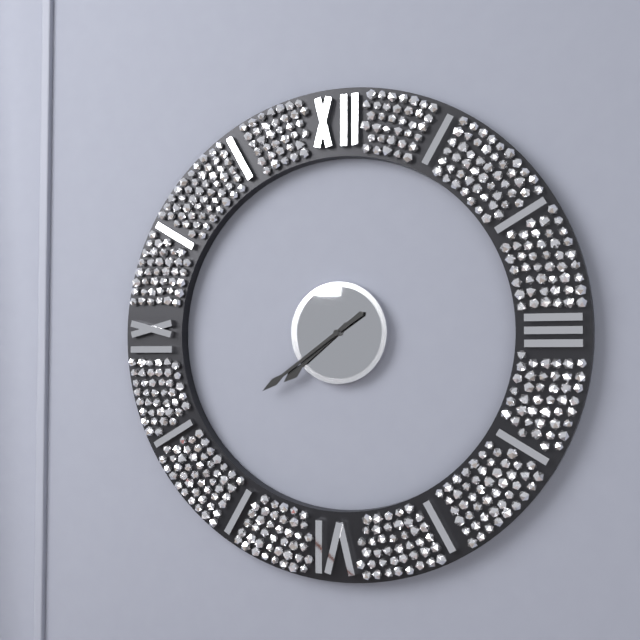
7:39
